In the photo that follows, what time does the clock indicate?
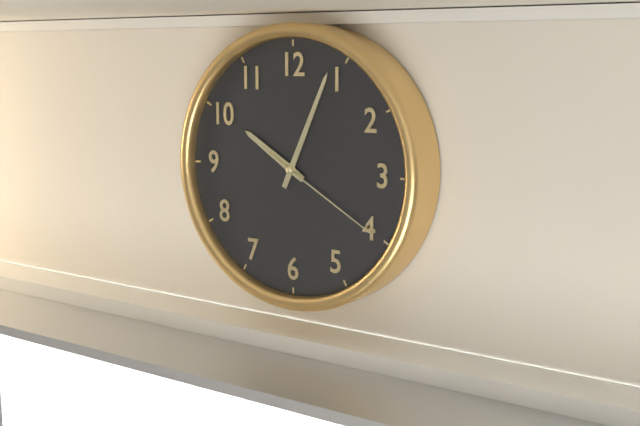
10:04:20
